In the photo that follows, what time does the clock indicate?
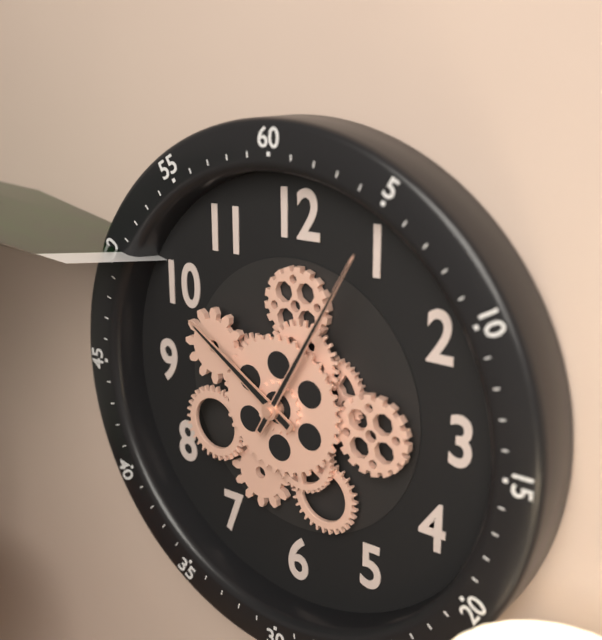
10:05
